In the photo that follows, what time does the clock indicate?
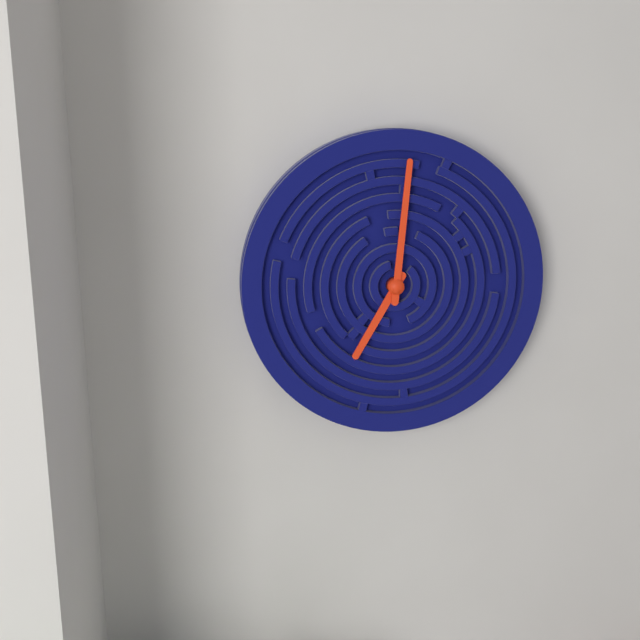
7:01
